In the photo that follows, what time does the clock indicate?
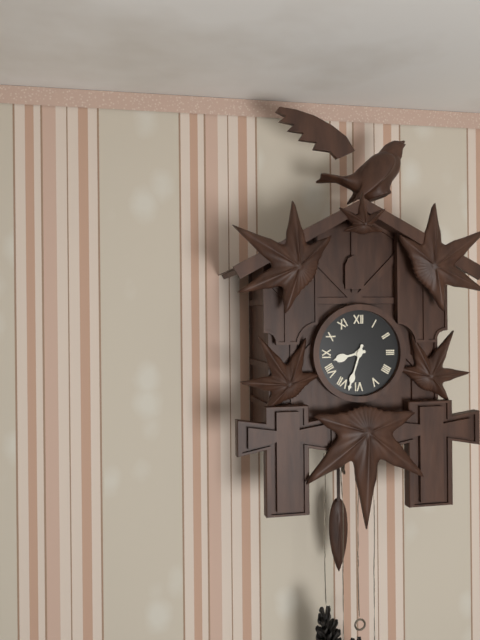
8:33
